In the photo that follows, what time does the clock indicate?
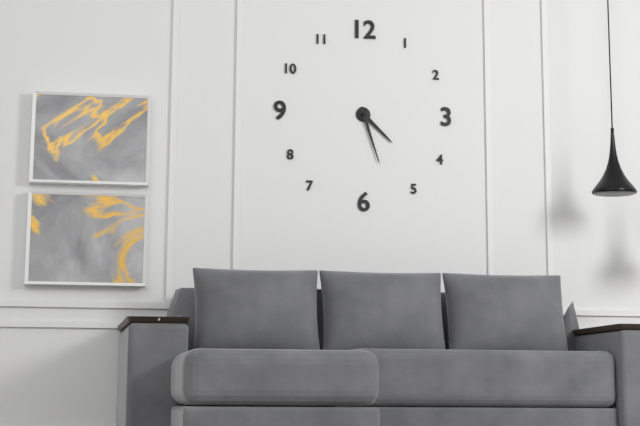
4:27
